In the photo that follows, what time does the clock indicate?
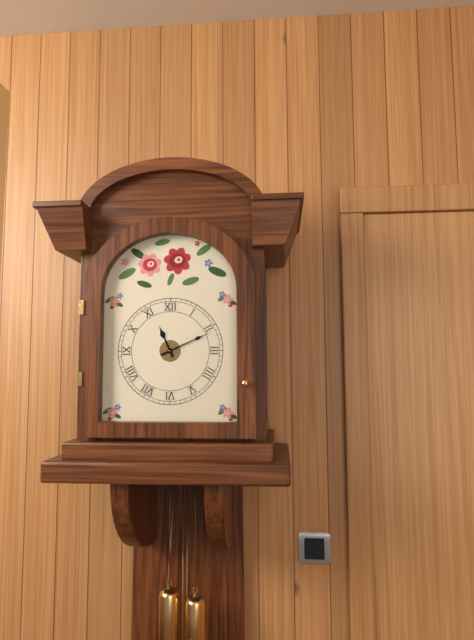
11:11
